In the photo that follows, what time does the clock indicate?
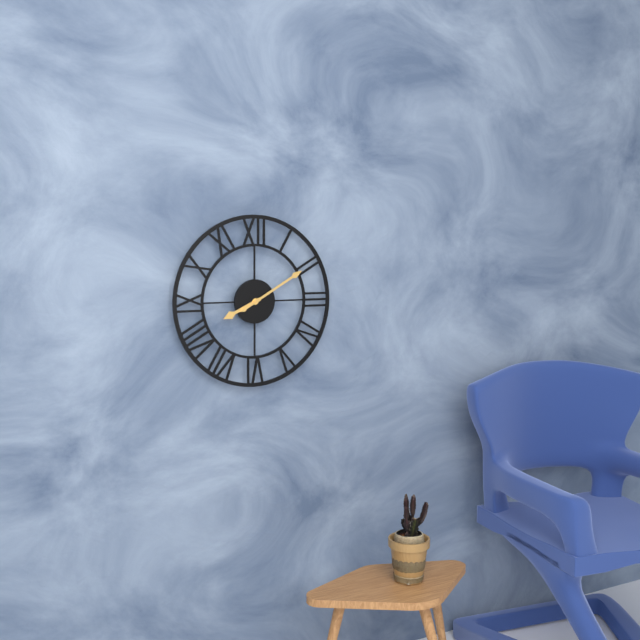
8:10
